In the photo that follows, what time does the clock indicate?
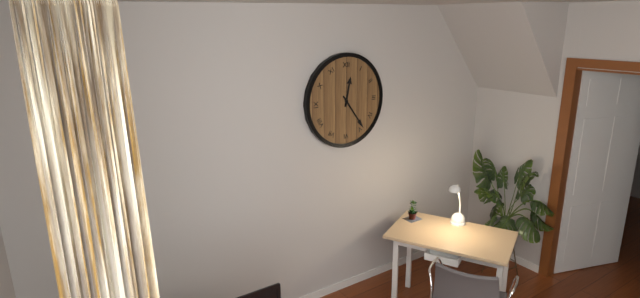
12:24
